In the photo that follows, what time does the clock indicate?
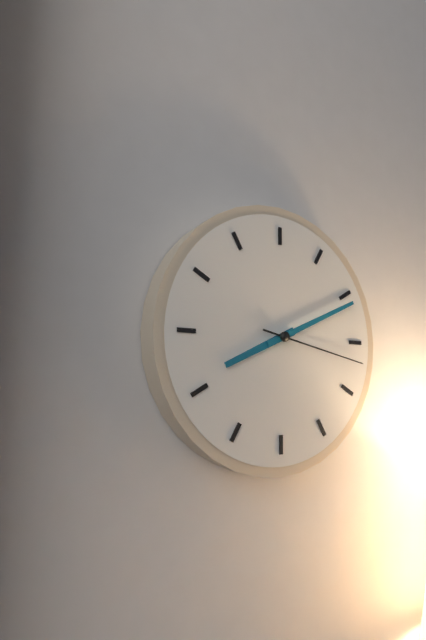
8:11:17
